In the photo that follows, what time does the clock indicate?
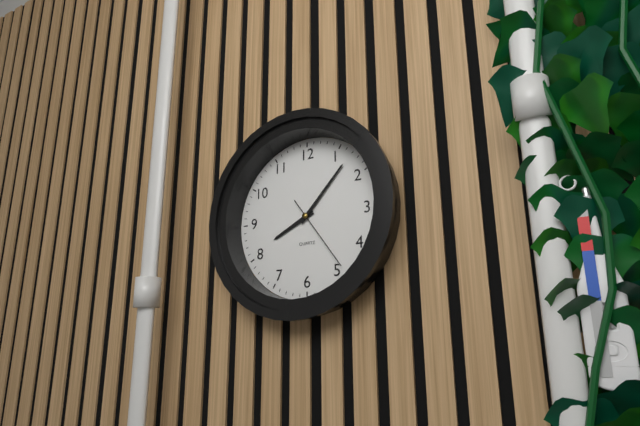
8:07:24
